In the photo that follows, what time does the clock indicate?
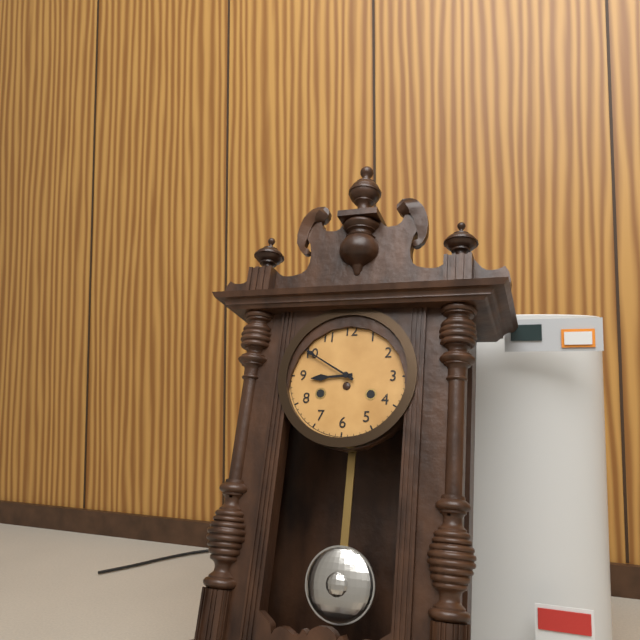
8:50
